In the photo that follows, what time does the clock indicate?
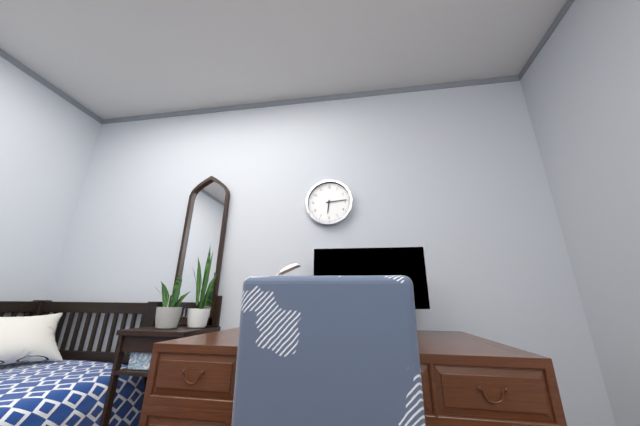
6:14
